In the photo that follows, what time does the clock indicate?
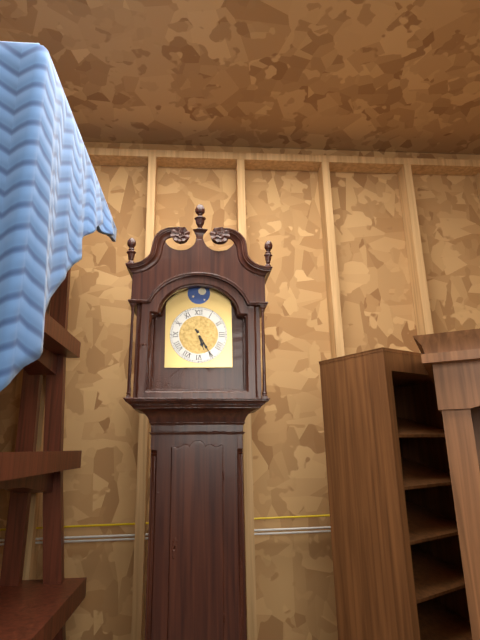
5:25
